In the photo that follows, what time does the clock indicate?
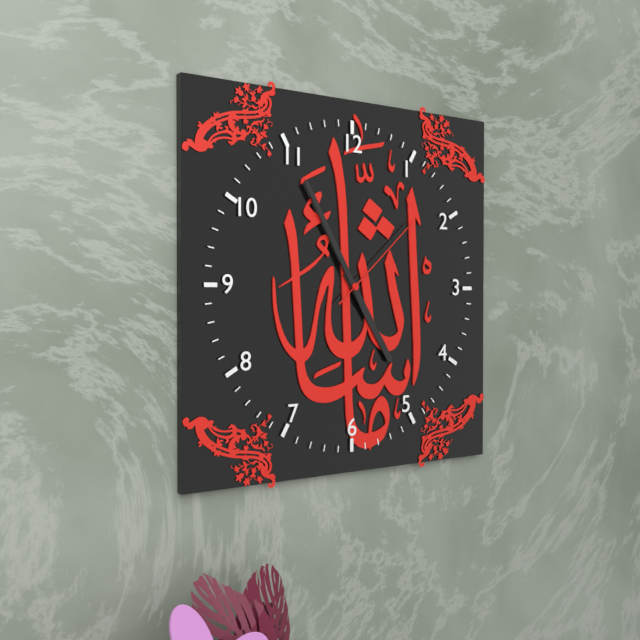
4:55:08
